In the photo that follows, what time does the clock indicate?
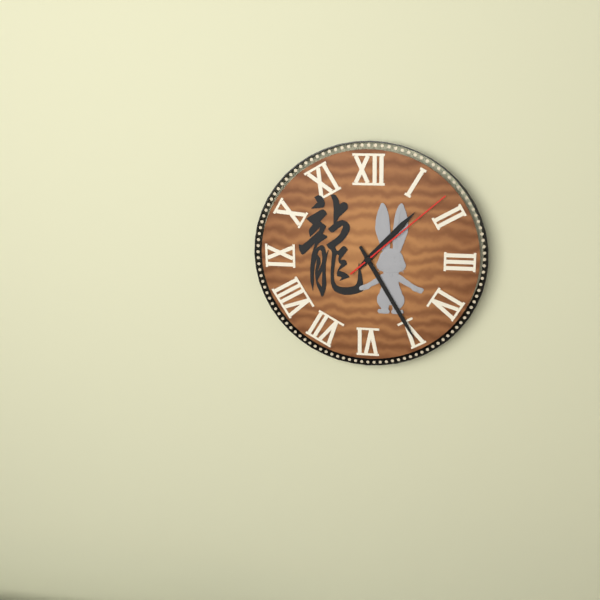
1:25:08
